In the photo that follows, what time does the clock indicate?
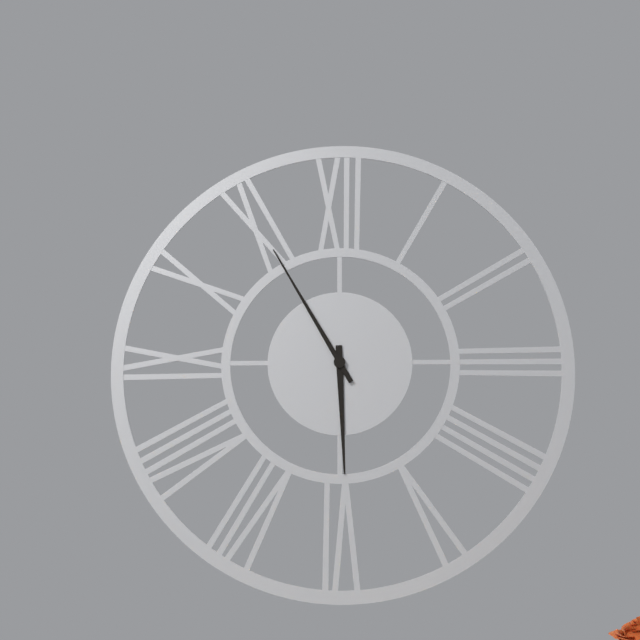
5:55
